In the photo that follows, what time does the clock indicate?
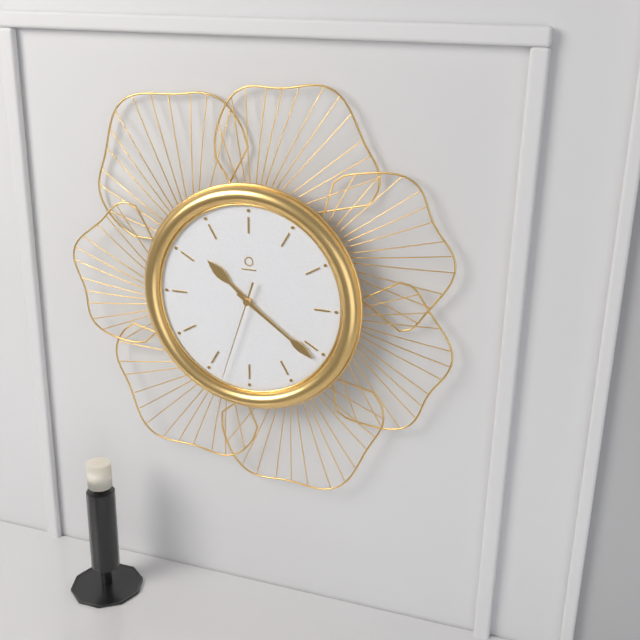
10:21:33
